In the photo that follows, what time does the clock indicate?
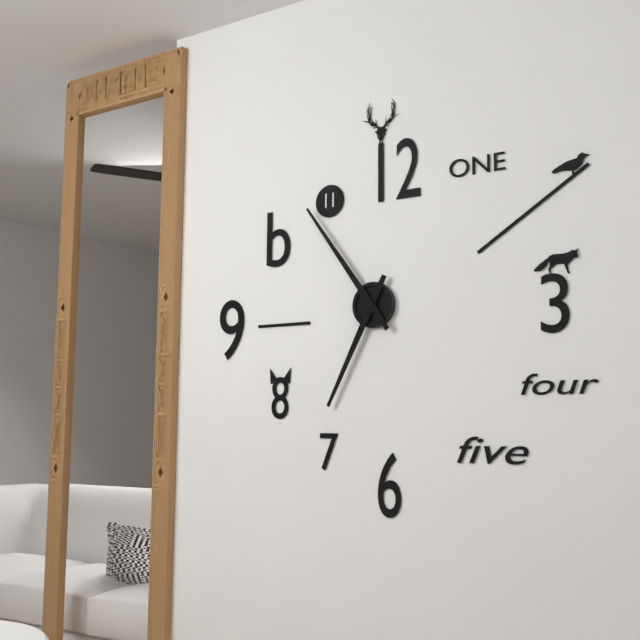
6:54
